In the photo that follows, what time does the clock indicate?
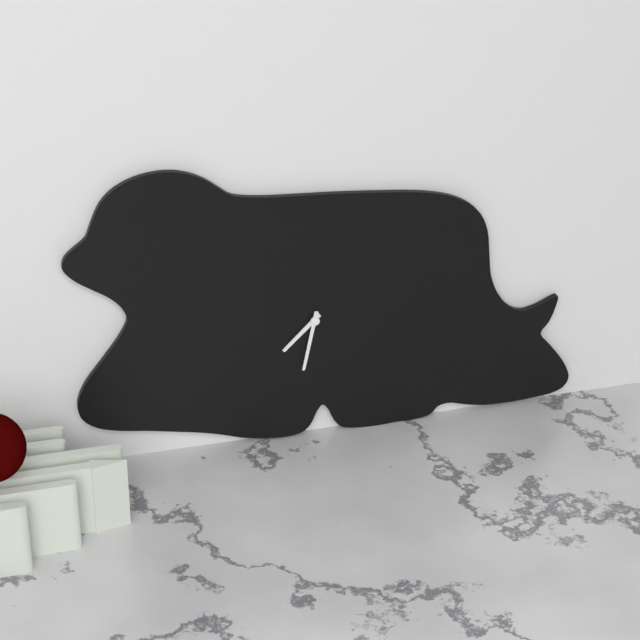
7:32
